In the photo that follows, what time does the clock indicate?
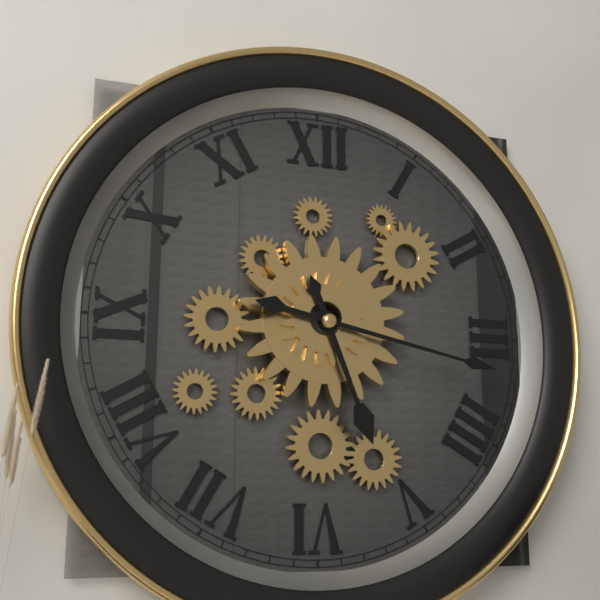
5:17
